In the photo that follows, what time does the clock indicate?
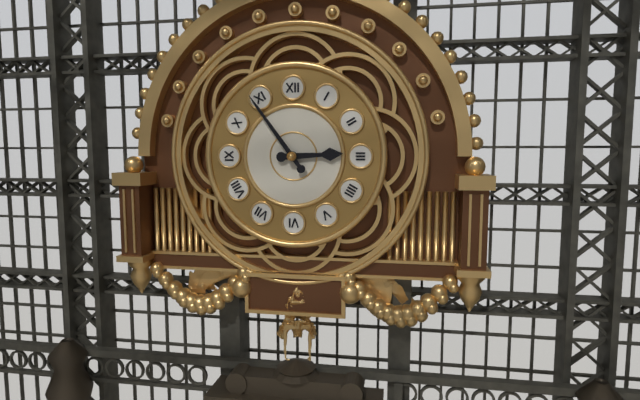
2:54
